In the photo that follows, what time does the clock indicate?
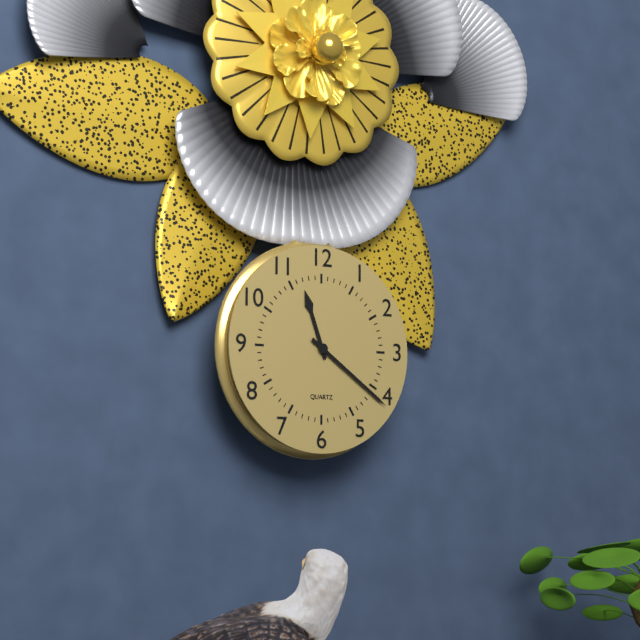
11:21
